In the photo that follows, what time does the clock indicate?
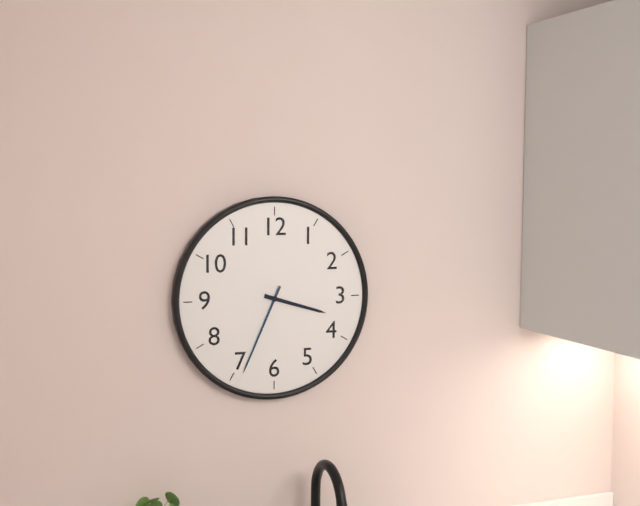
3:34
